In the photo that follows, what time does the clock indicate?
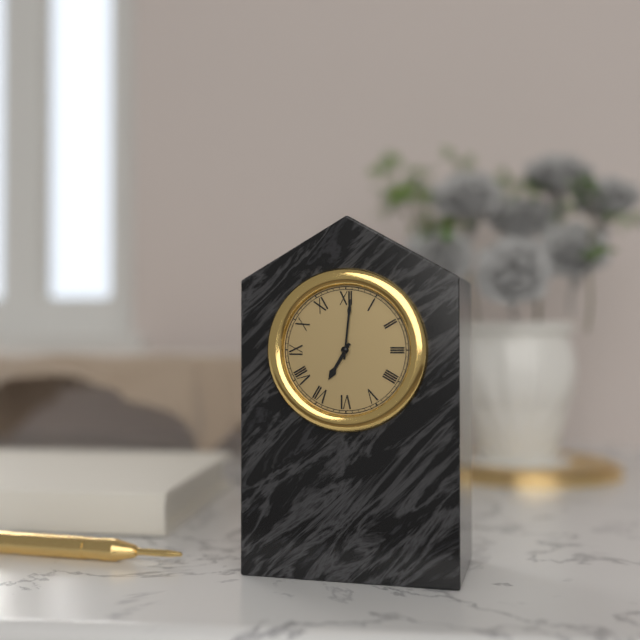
7:01
